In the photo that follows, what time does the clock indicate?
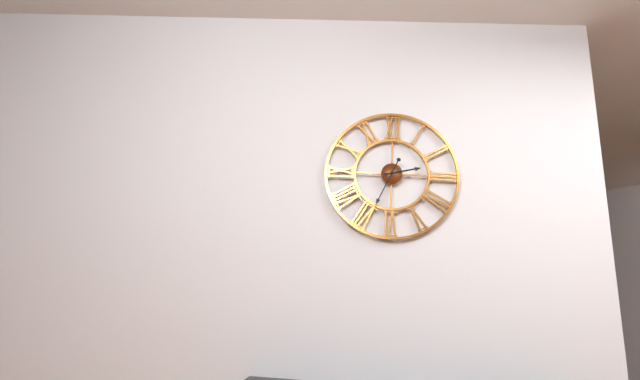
2:34
